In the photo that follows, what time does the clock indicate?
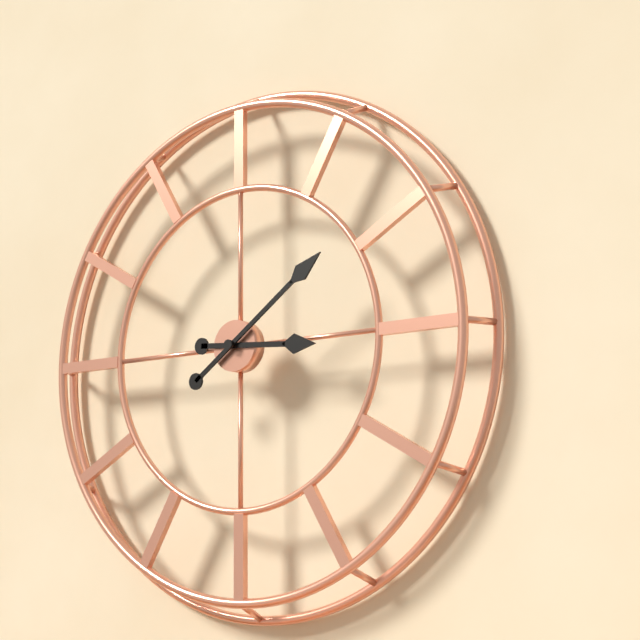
3:09
